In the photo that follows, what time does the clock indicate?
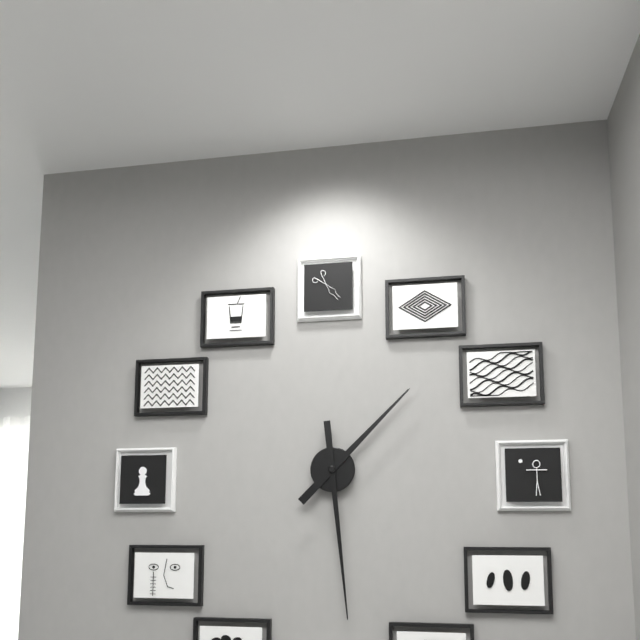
1:29
